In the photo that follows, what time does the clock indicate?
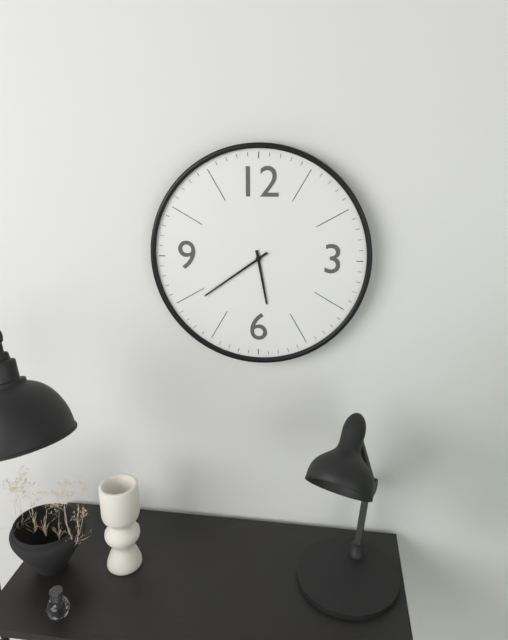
5:39
